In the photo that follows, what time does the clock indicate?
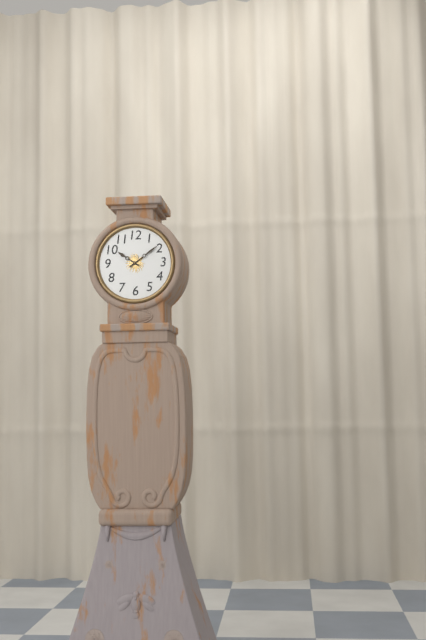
10:09
